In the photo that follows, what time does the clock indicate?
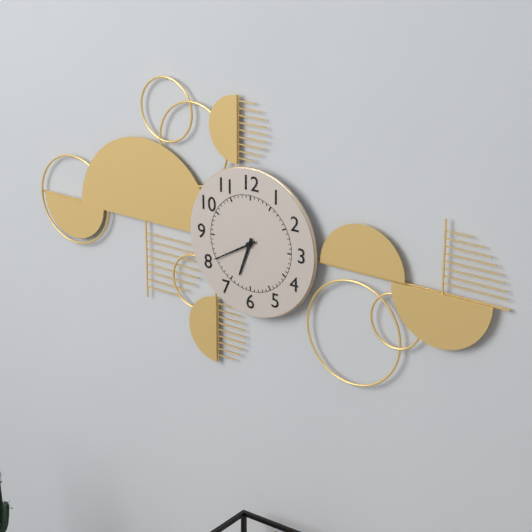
6:40
